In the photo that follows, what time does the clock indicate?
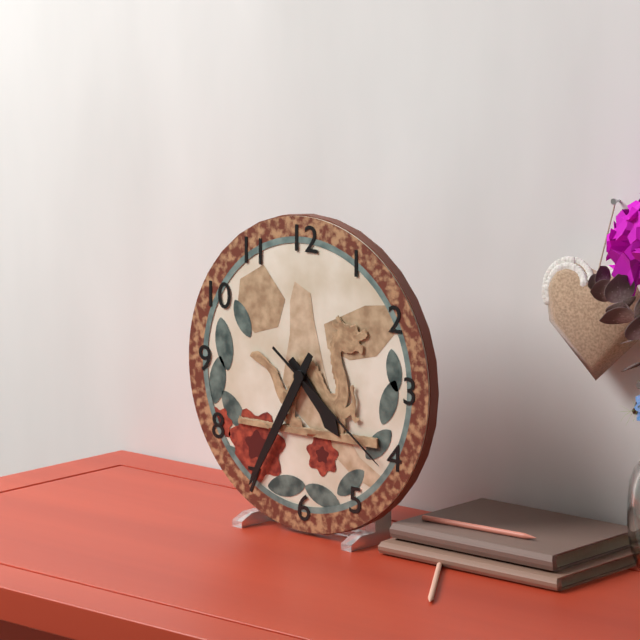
4:35:21
